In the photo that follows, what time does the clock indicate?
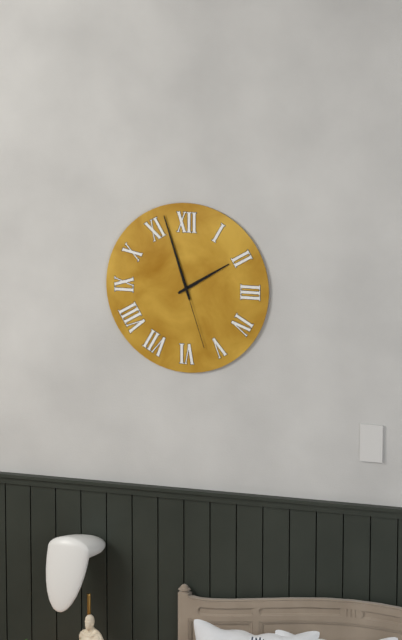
1:57:27
